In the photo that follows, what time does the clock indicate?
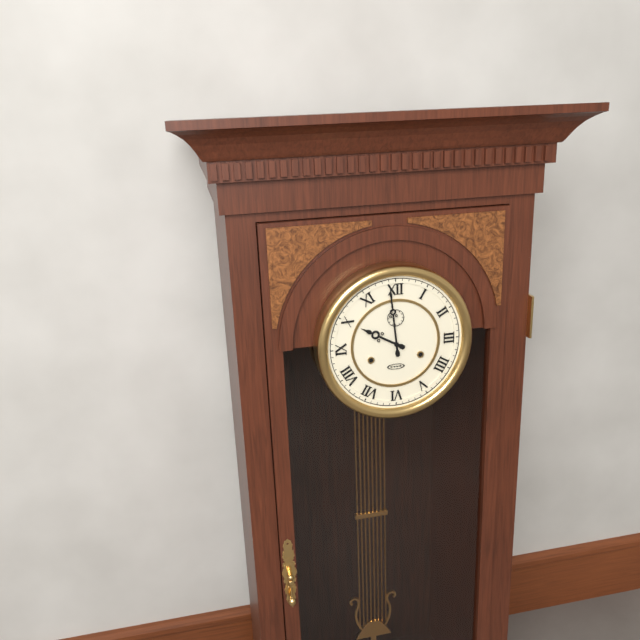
9:59
